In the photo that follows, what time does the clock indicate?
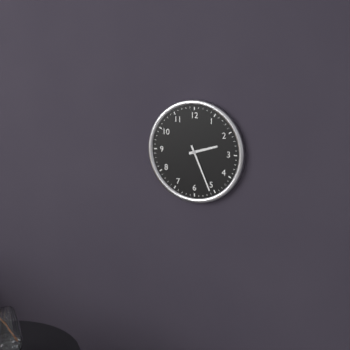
2:26
